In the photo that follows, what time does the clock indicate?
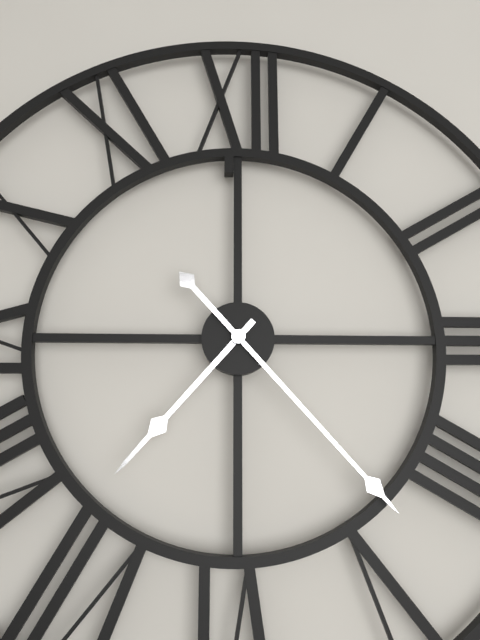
7:23
